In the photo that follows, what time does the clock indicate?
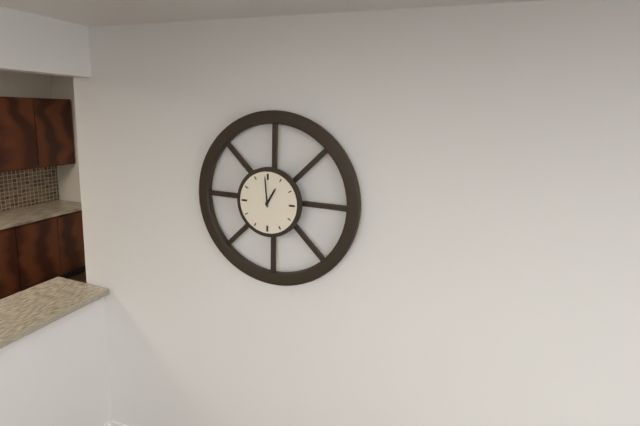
12:59
